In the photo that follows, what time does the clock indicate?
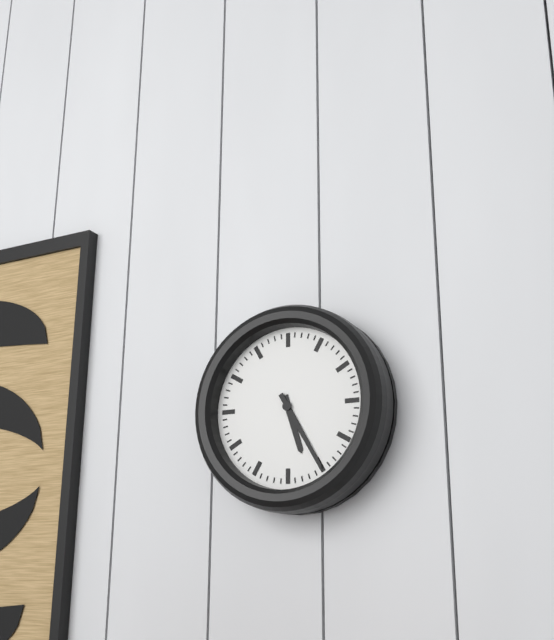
5:25
